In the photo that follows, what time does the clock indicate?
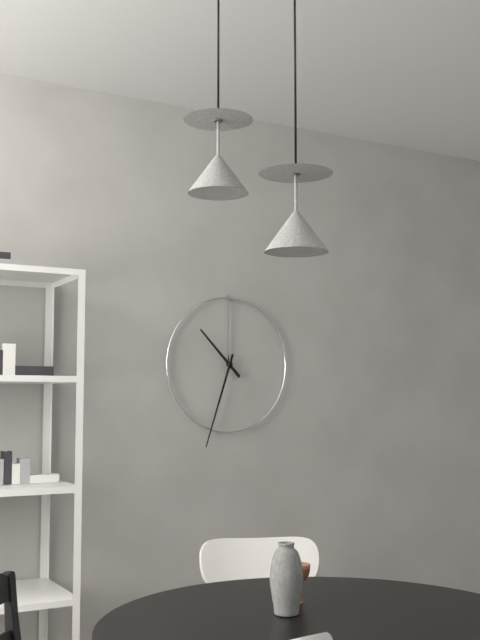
10:33
